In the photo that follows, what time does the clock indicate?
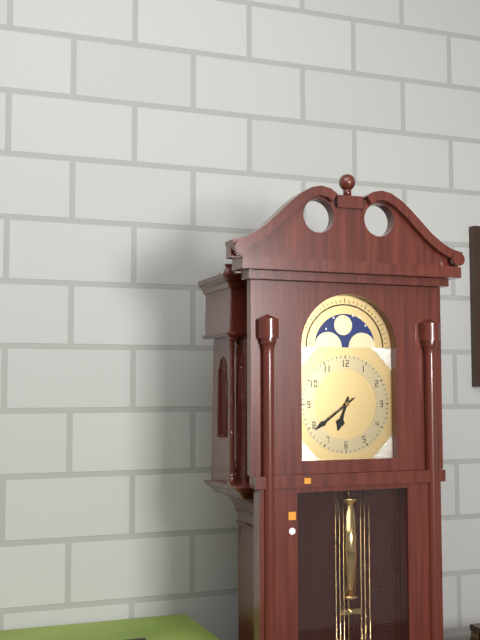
6:39
